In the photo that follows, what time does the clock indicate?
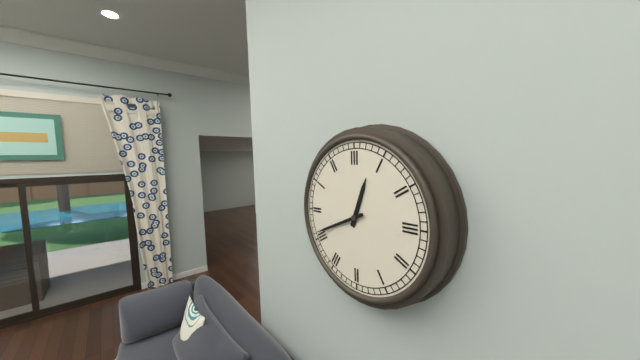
12:41
